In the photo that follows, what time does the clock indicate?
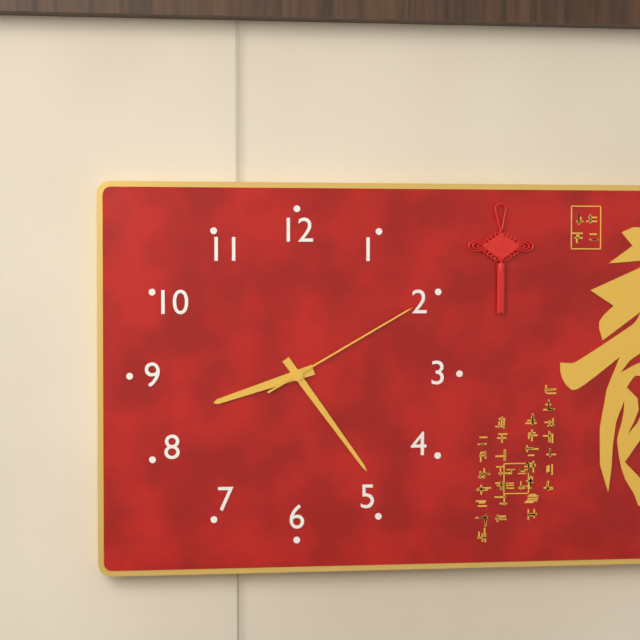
8:24:10
